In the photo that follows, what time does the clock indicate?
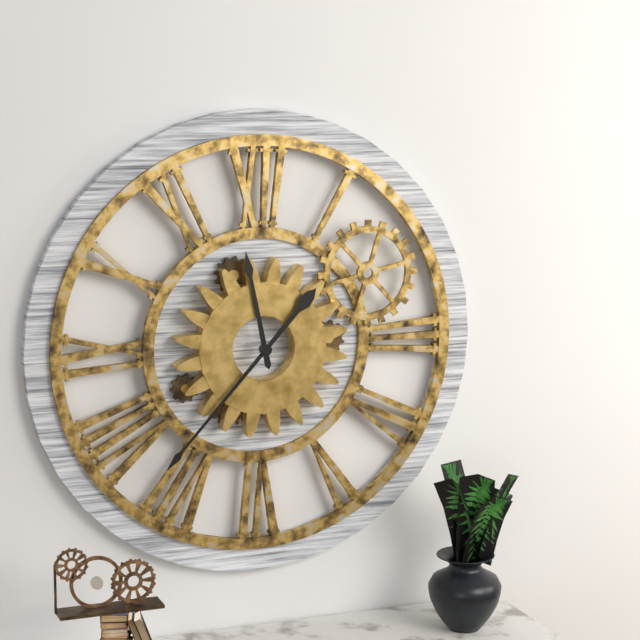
11:37
